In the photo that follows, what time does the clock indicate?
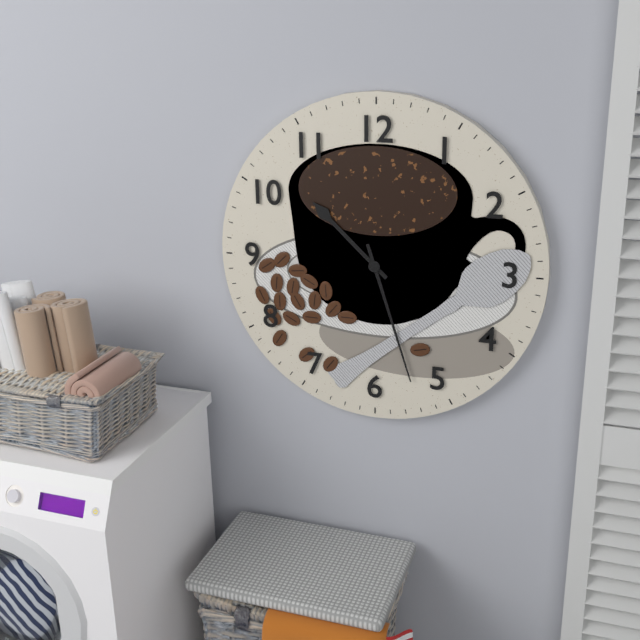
10:27
